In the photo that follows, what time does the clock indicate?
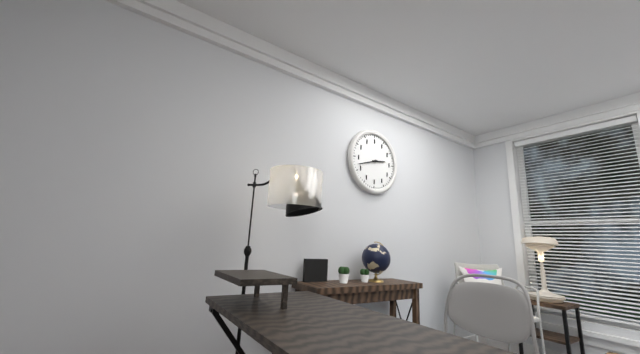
2:42
